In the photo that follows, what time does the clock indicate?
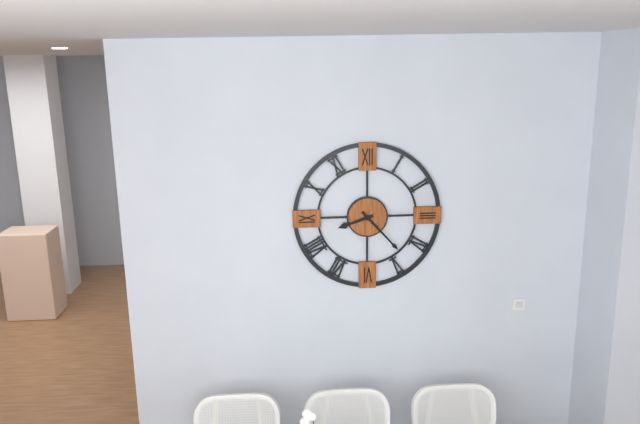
8:23
